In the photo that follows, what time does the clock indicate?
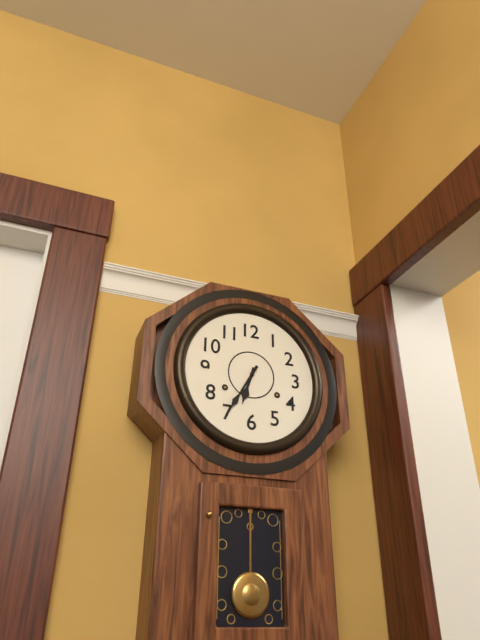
6:35
